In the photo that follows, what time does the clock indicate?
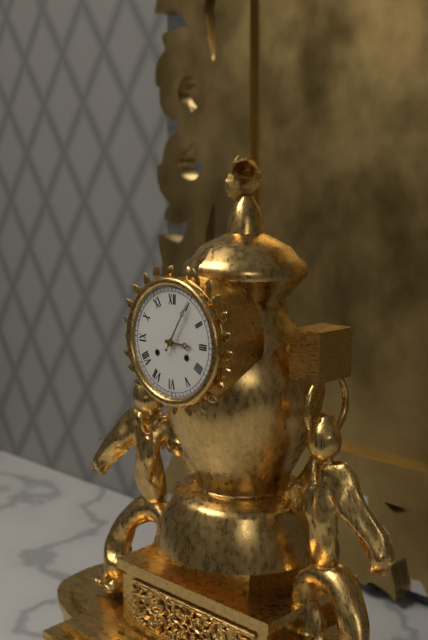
3:05
